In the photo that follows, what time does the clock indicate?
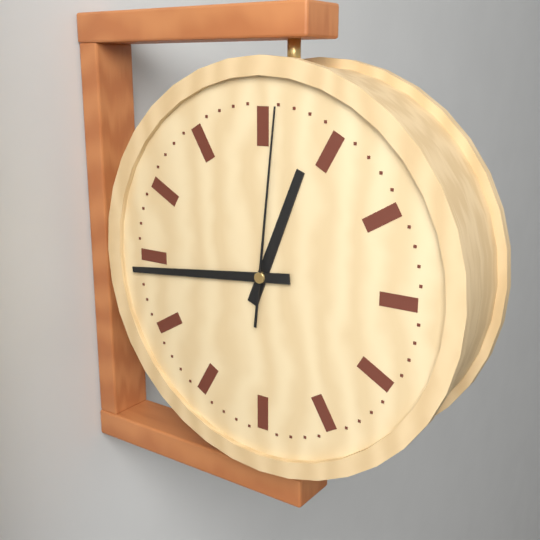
12:44:01
